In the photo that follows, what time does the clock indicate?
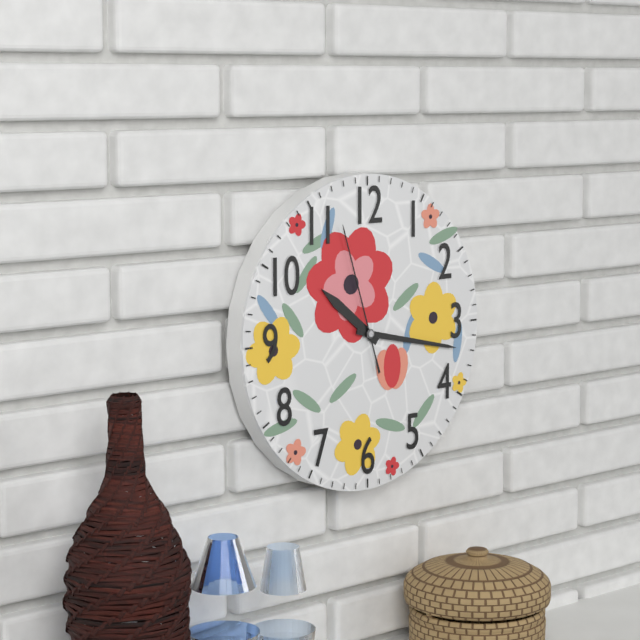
10:17:57
